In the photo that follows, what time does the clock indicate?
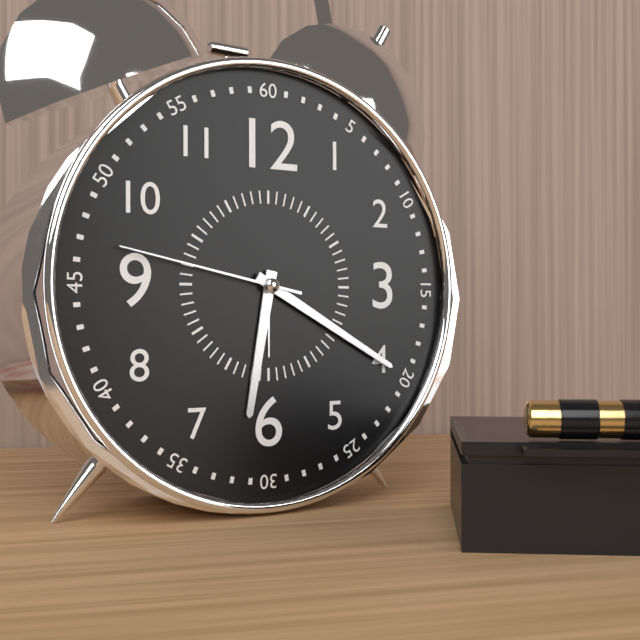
6:20:47
